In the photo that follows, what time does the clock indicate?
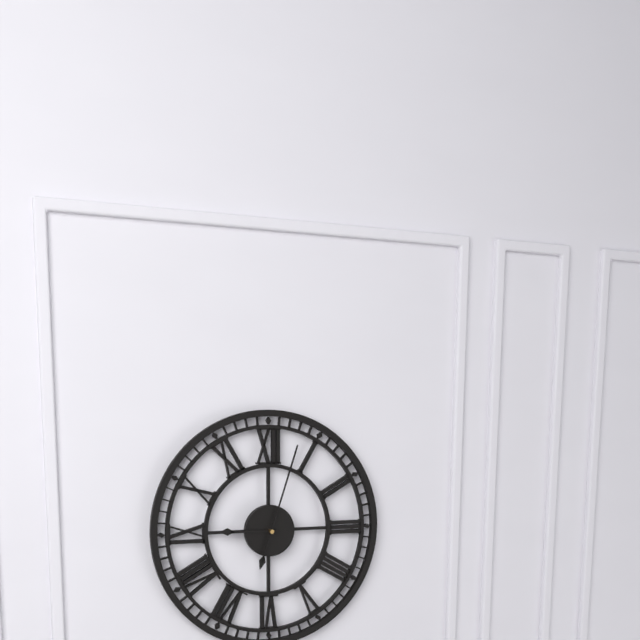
9:03
